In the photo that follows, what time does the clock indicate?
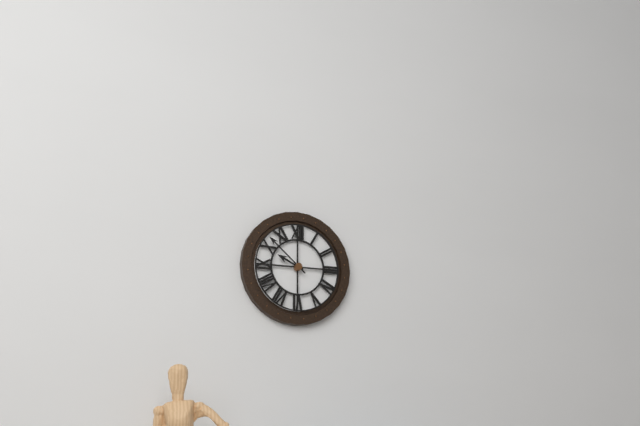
9:52
